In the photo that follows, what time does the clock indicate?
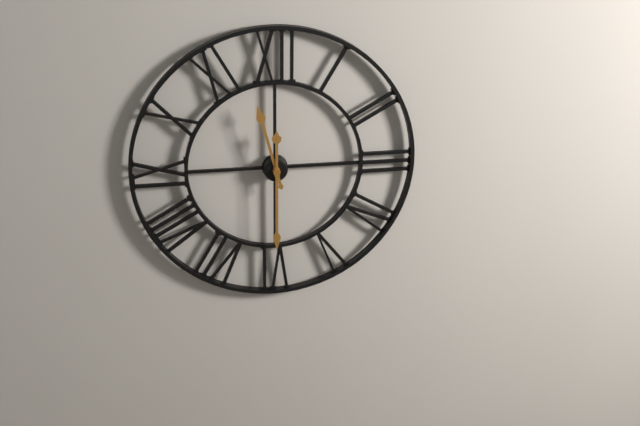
11:30
